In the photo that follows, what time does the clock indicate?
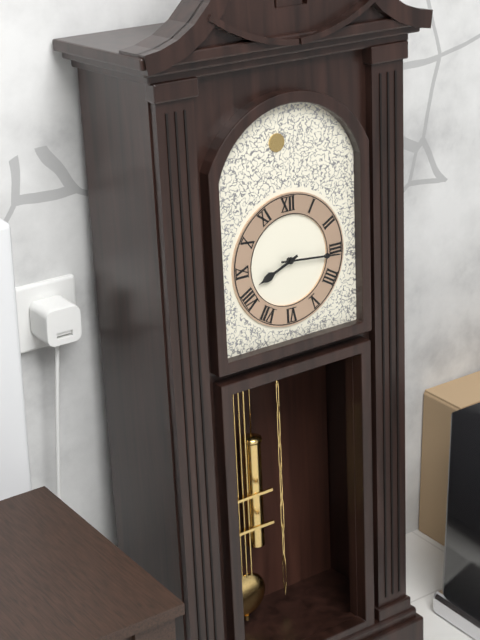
8:16
